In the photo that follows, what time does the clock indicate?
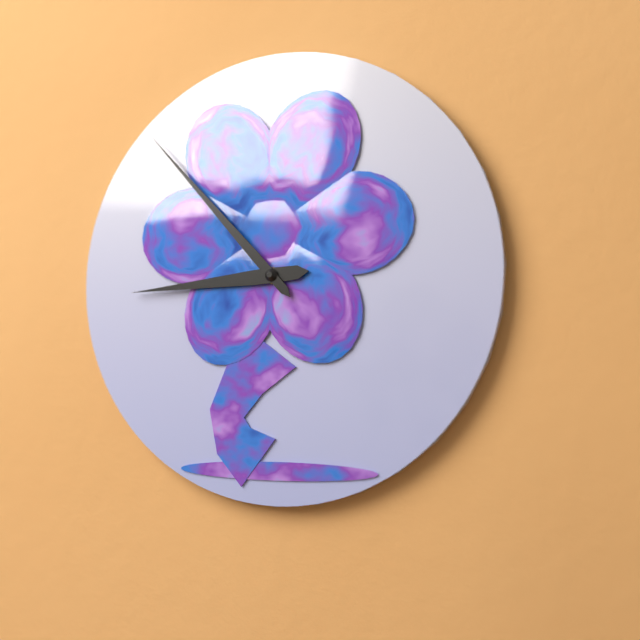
8:53
